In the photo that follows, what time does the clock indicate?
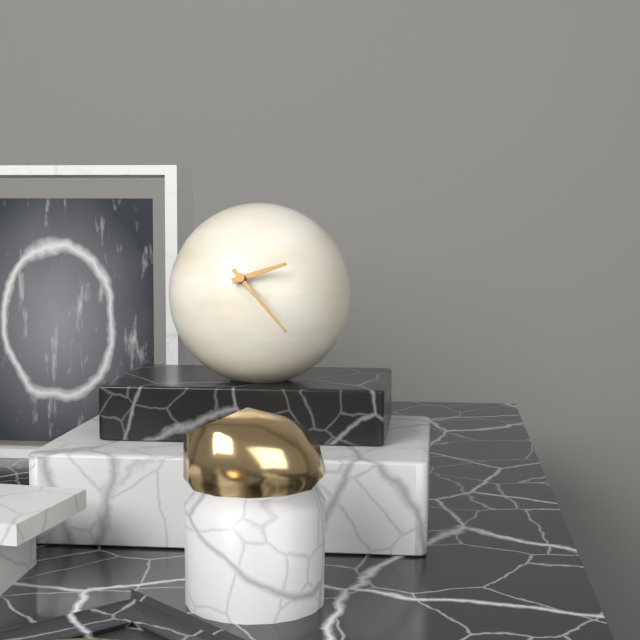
2:23
